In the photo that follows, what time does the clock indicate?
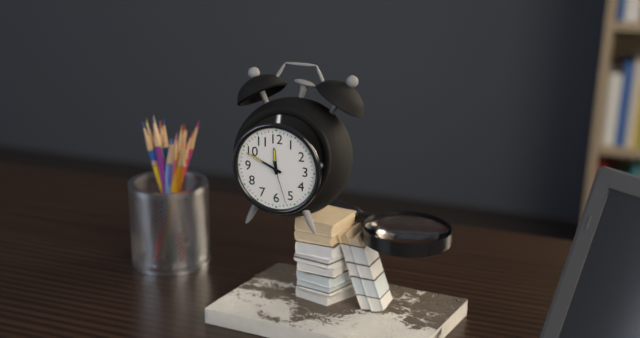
11:49
